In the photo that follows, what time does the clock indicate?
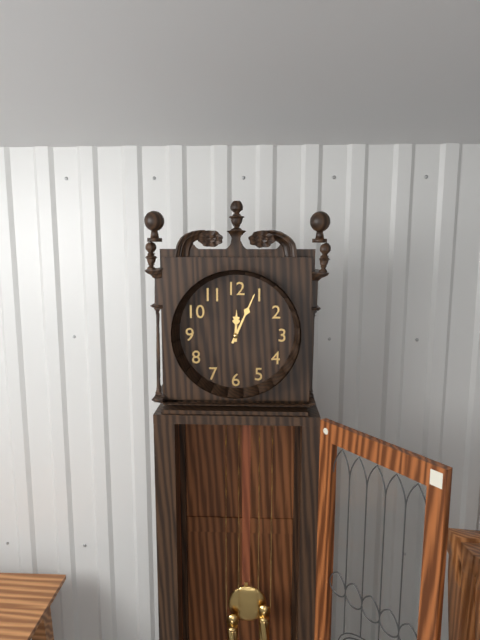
12:04
